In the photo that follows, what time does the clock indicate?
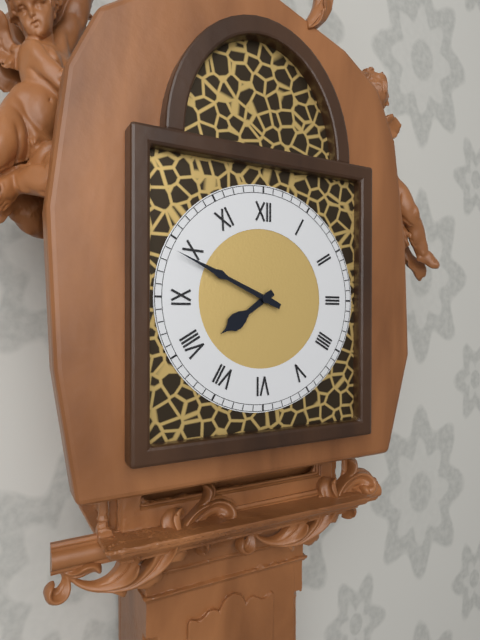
7:49
